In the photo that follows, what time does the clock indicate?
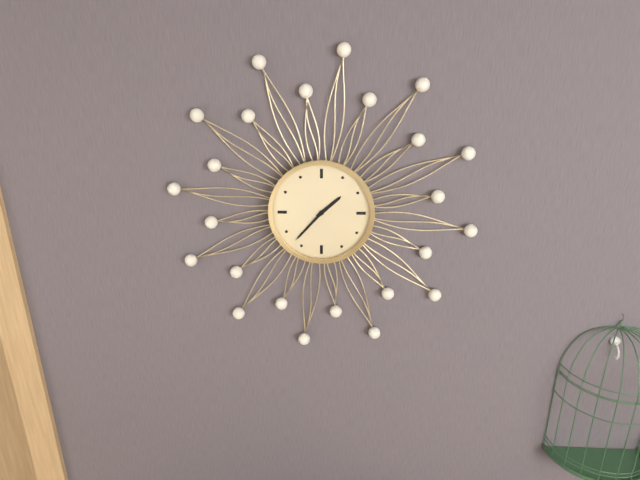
1:37
